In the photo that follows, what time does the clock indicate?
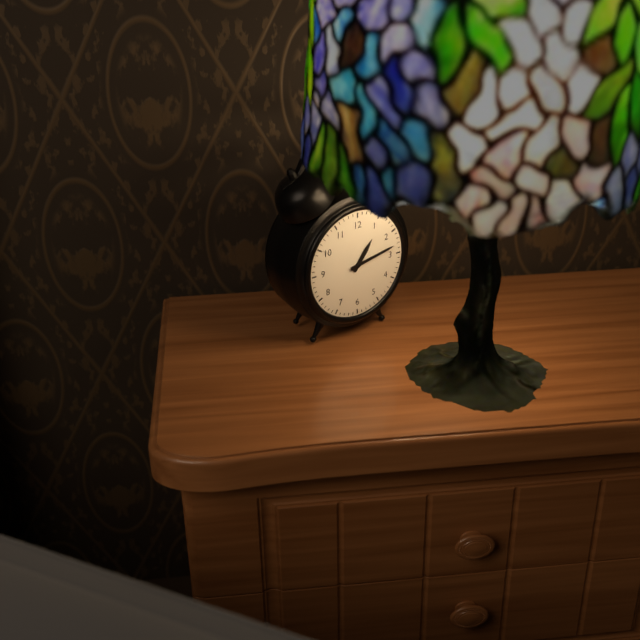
1:13
